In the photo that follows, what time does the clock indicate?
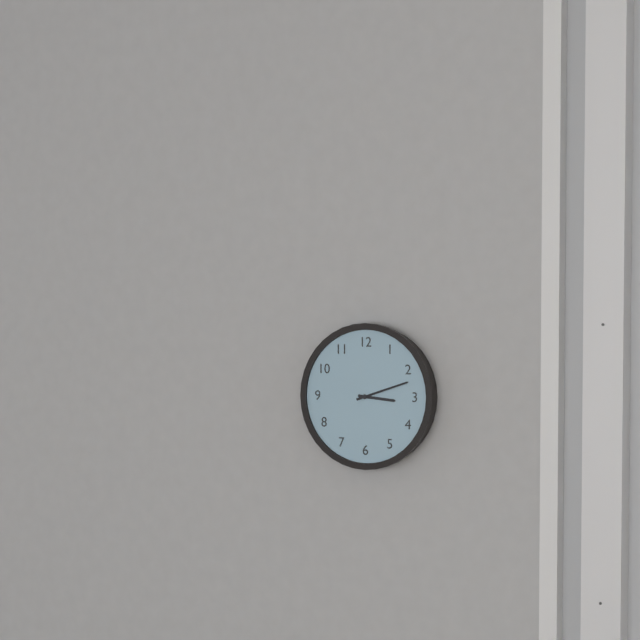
3:12
